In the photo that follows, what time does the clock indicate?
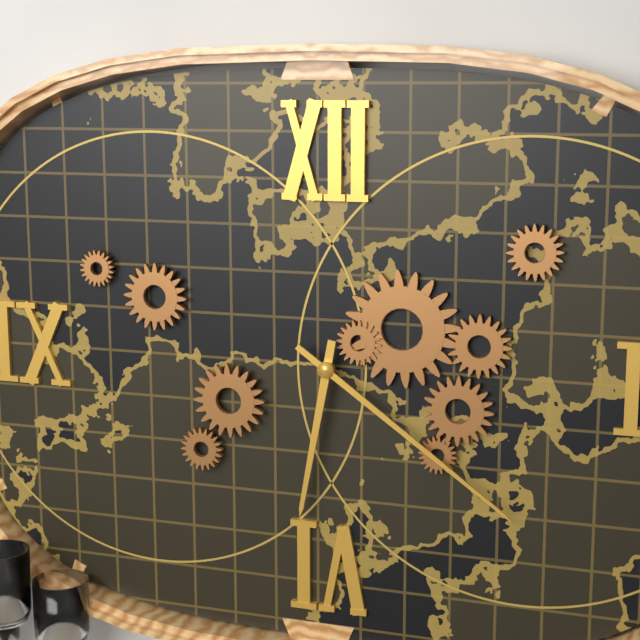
6:21
